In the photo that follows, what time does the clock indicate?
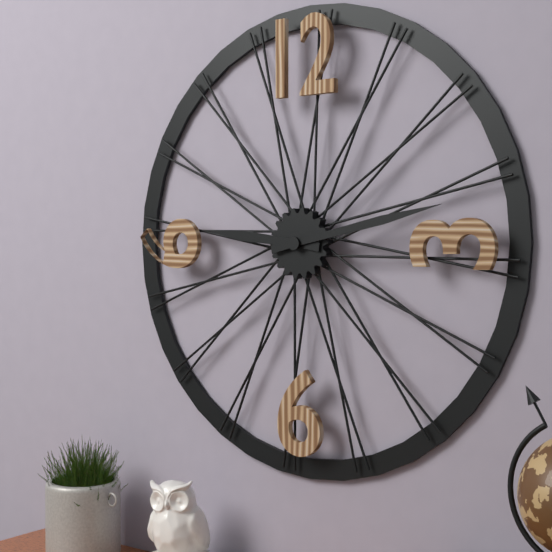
9:13
